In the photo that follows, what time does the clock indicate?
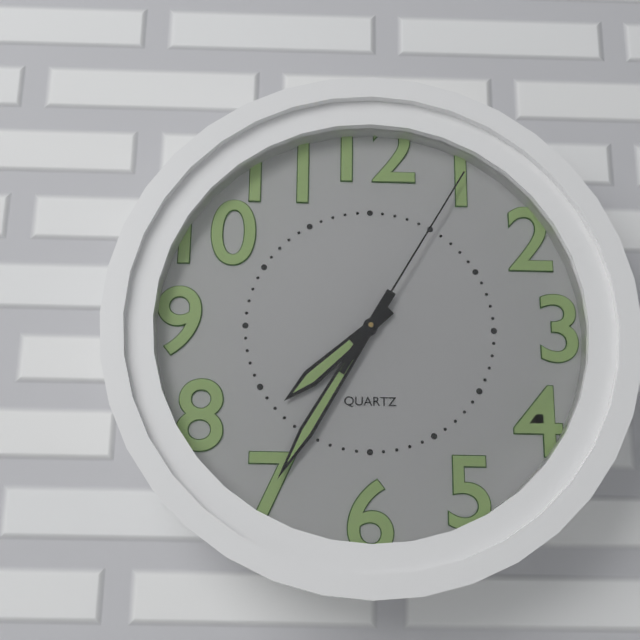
7:35:05
